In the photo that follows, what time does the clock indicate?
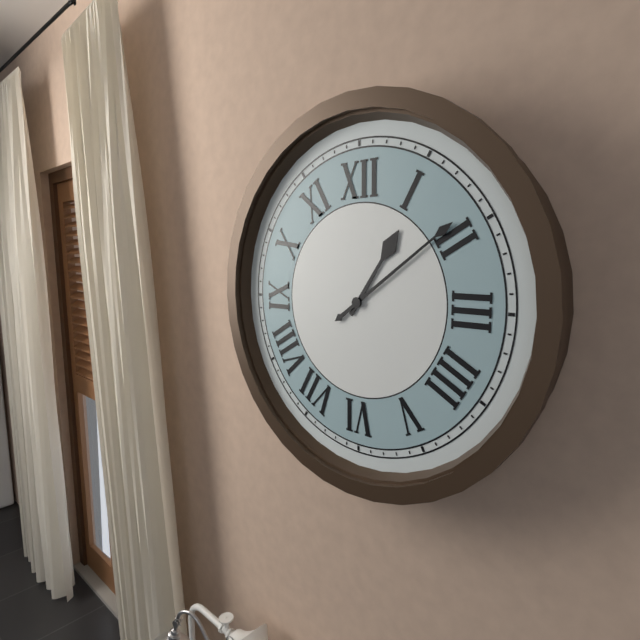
1:09
